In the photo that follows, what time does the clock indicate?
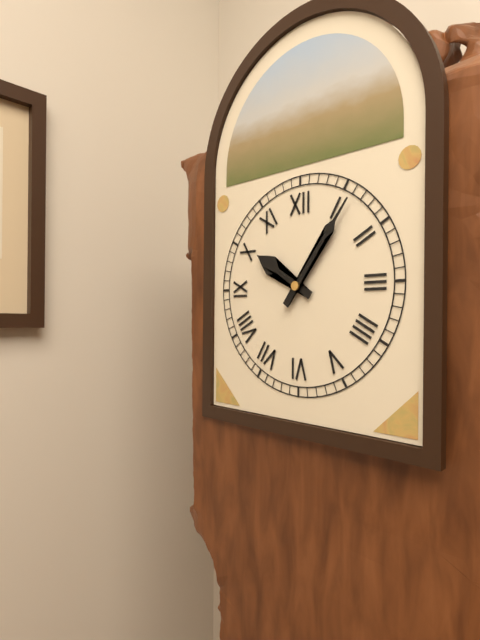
10:06
